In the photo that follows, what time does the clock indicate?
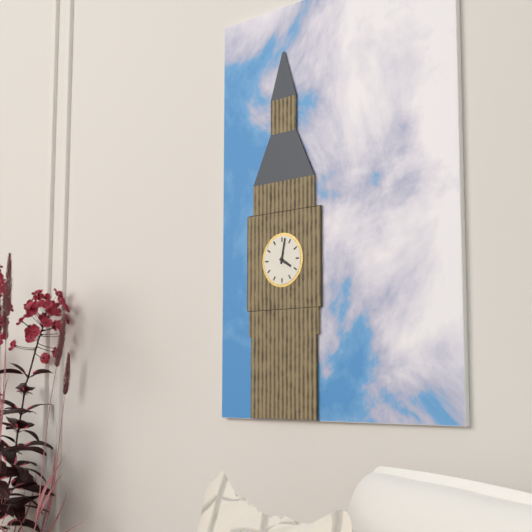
4:02
